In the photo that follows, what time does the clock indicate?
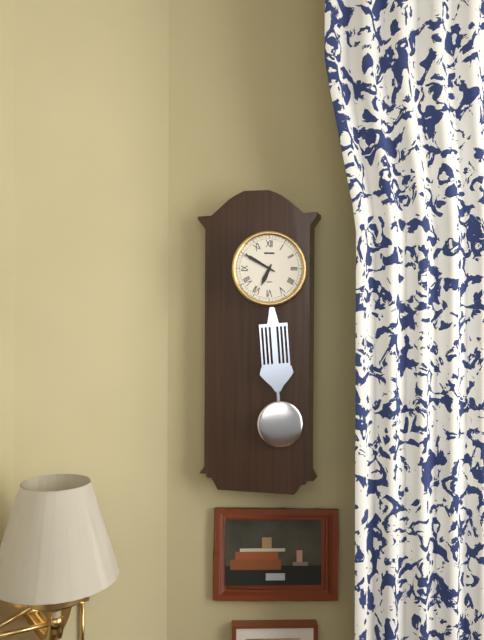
6:50
